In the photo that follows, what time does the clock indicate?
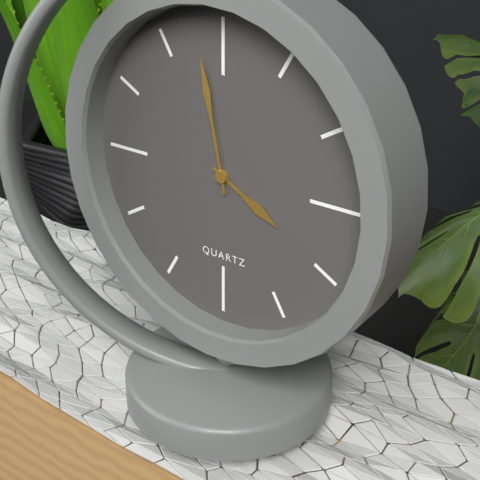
3:58
